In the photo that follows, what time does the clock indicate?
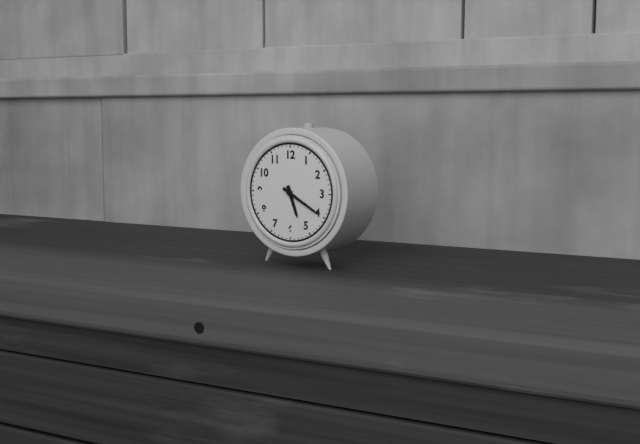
5:20
